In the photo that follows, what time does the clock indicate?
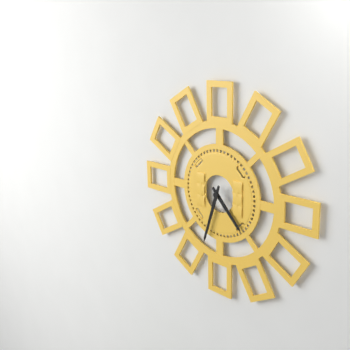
4:33
